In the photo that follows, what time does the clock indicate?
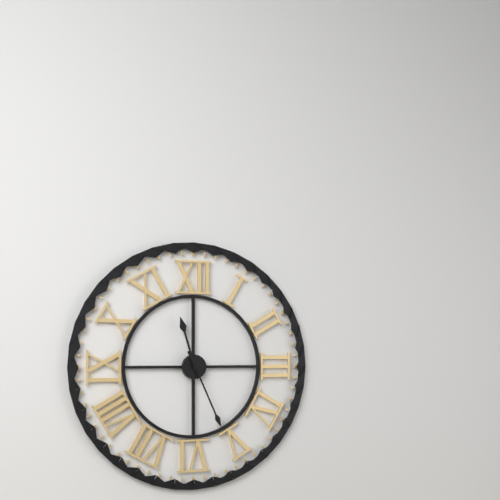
11:26
